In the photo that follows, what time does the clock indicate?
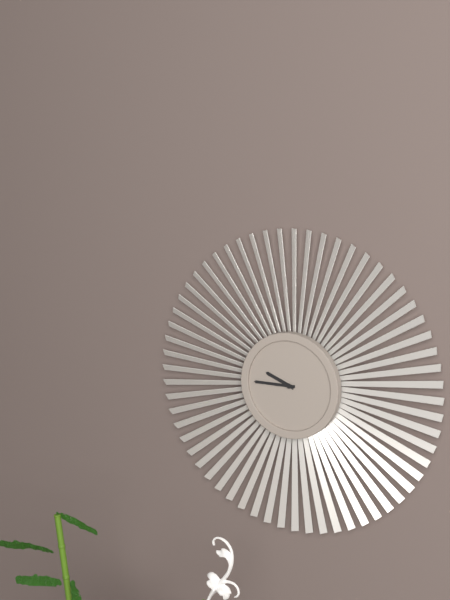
9:45
